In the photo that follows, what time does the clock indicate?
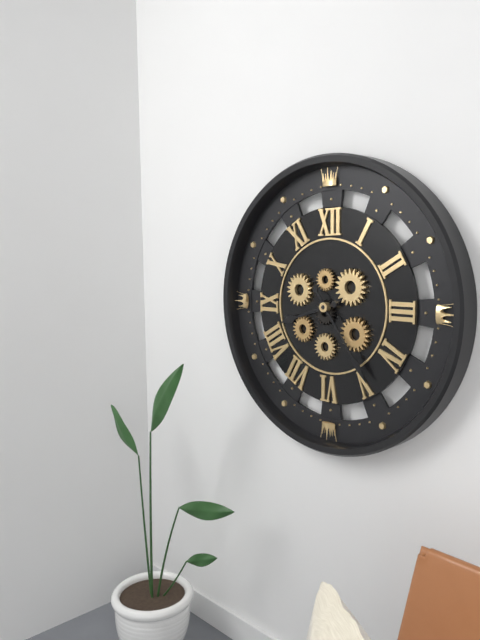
8:24
